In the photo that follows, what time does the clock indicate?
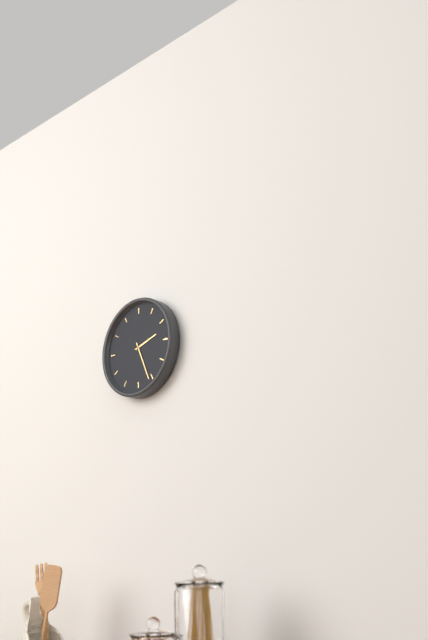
2:26
